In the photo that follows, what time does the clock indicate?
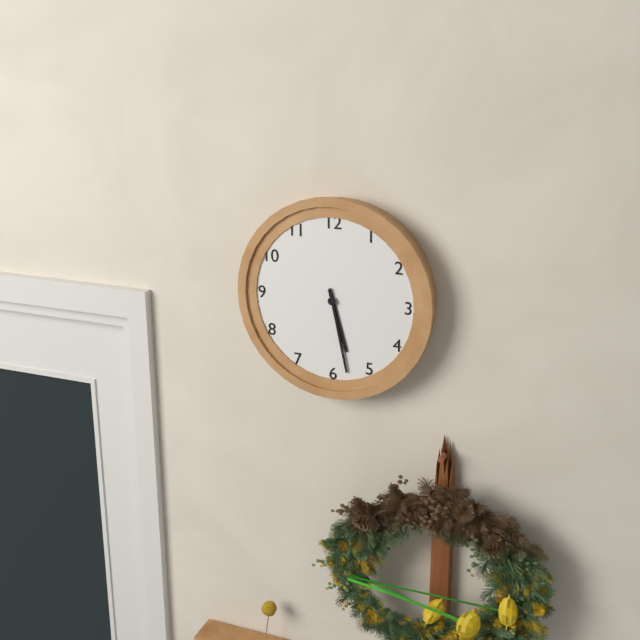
5:28
